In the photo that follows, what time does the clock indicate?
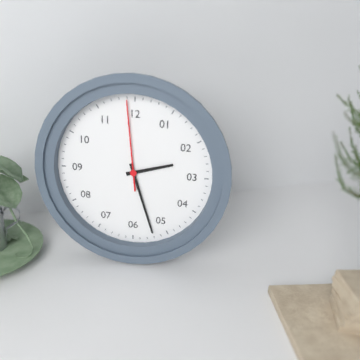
2:27:59
